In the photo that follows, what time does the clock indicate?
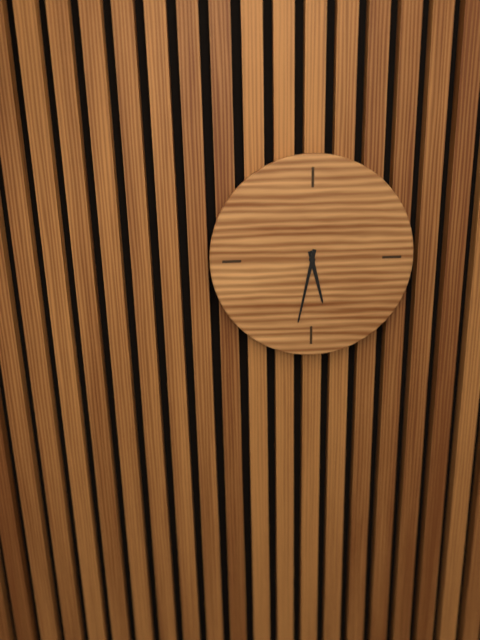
5:32
